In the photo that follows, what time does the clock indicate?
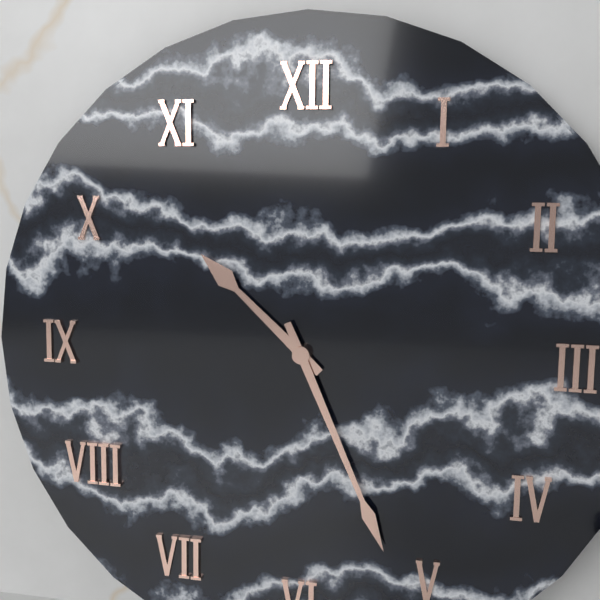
10:26
